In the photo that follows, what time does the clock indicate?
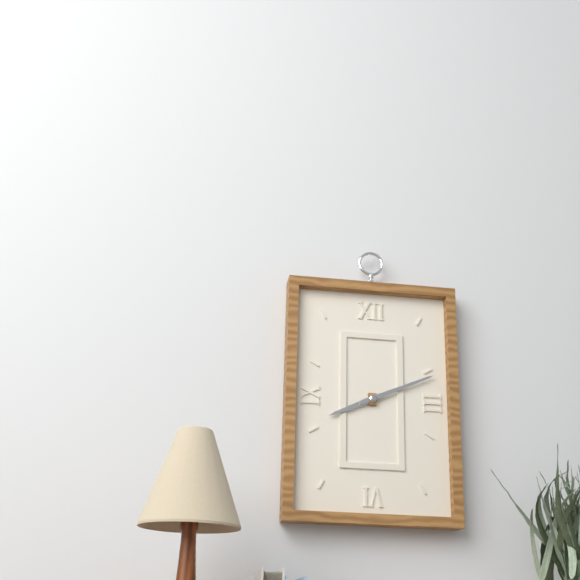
8:11
